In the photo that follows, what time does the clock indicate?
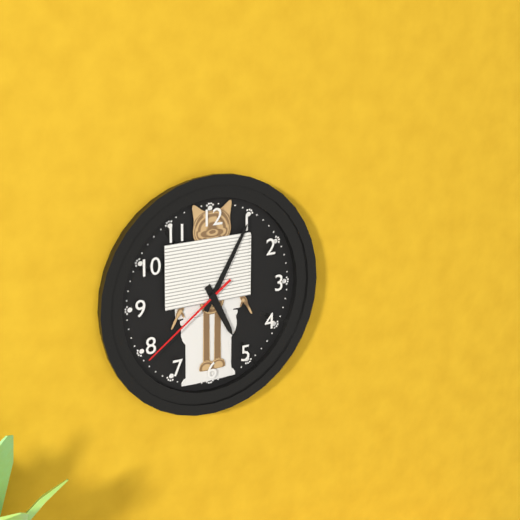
5:05:39
